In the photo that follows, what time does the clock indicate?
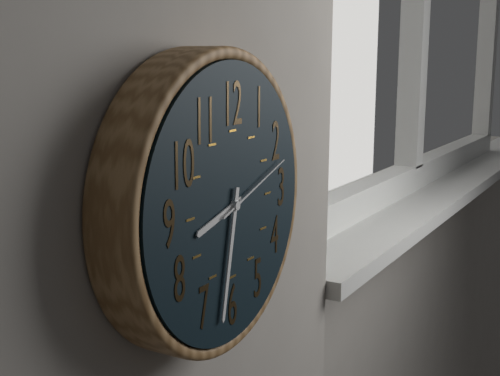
8:32:12
